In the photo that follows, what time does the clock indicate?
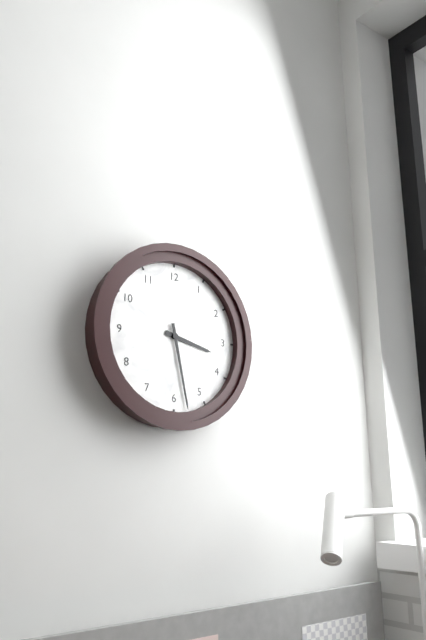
3:28
